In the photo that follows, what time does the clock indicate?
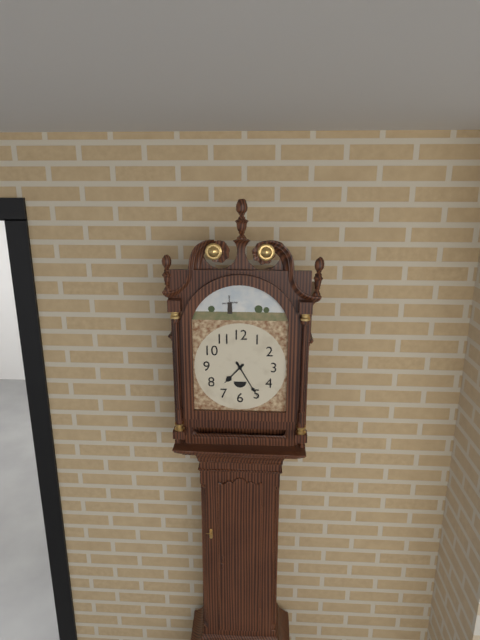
7:25
